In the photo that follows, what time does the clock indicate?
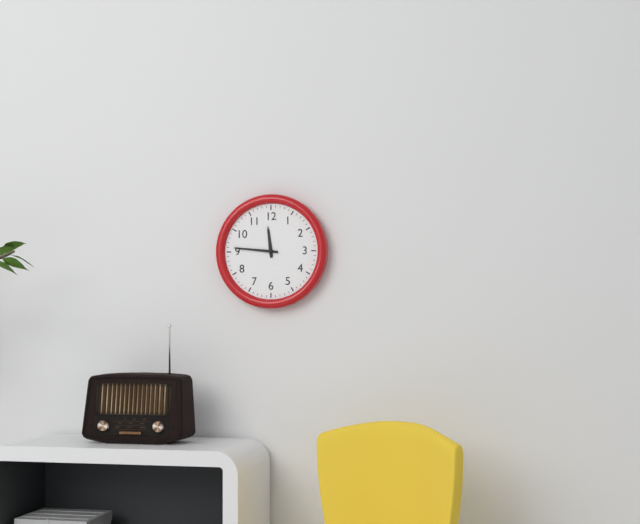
11:46
